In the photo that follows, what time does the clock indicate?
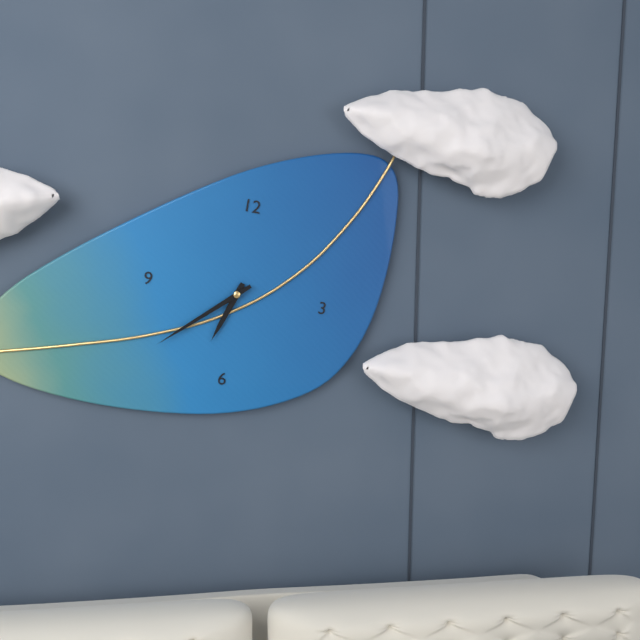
6:38
